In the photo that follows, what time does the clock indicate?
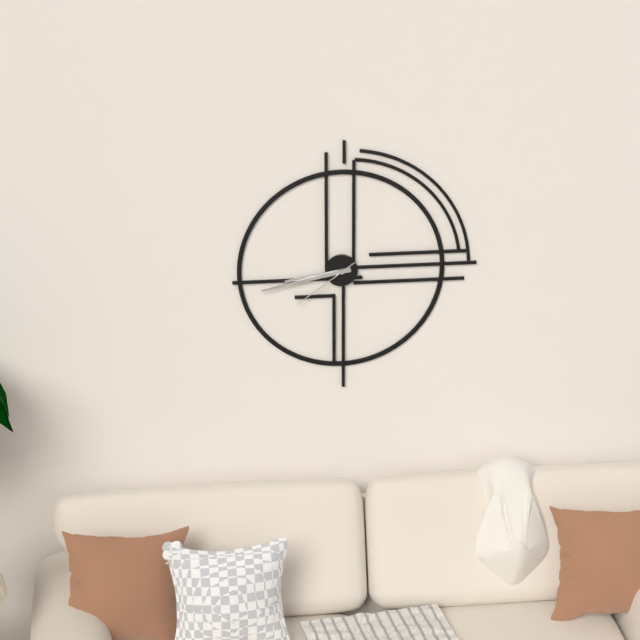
8:43:39
